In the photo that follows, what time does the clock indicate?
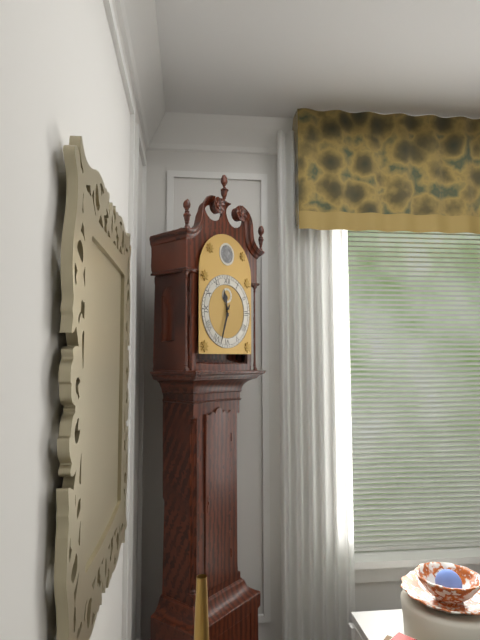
11:33
